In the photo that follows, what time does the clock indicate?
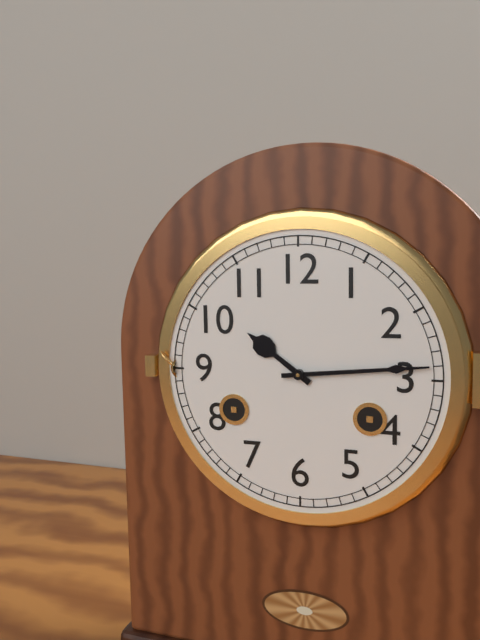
10:14
